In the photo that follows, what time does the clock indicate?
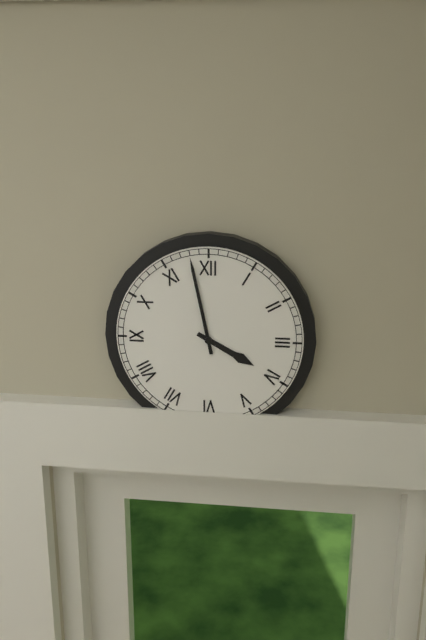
3:58
